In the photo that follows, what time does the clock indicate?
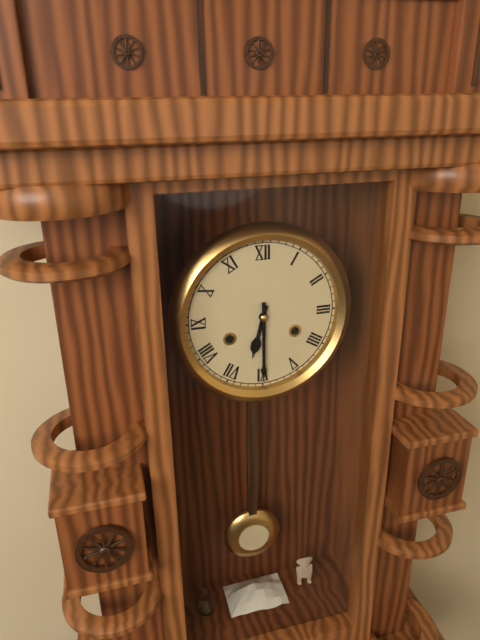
6:30
